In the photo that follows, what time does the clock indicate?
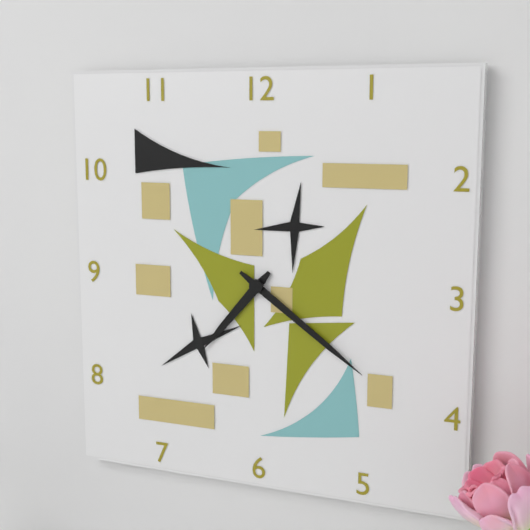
7:21
